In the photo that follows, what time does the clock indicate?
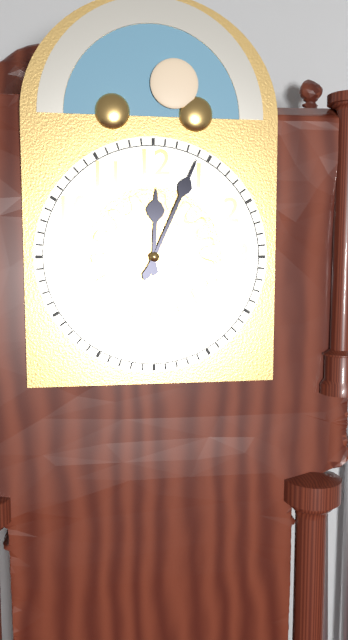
12:04
